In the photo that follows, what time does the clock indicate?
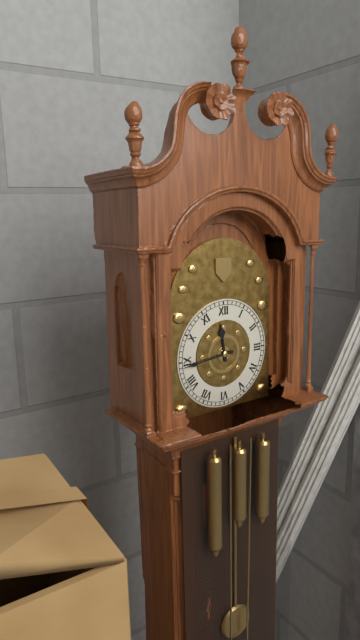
11:44
